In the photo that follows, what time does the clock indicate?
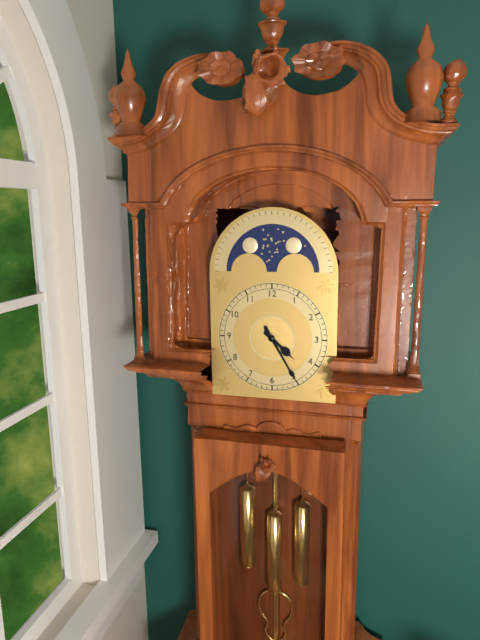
4:25
